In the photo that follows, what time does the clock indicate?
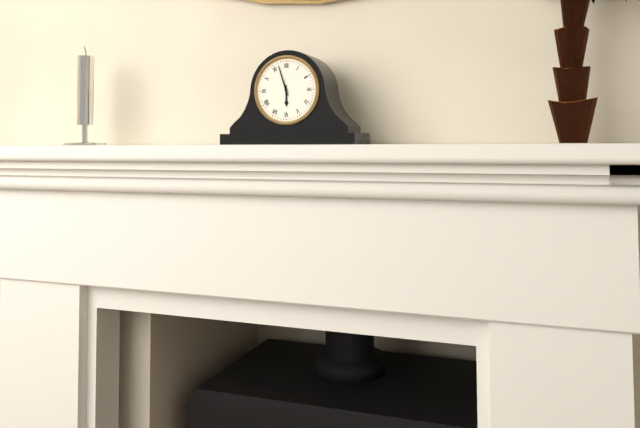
5:57
